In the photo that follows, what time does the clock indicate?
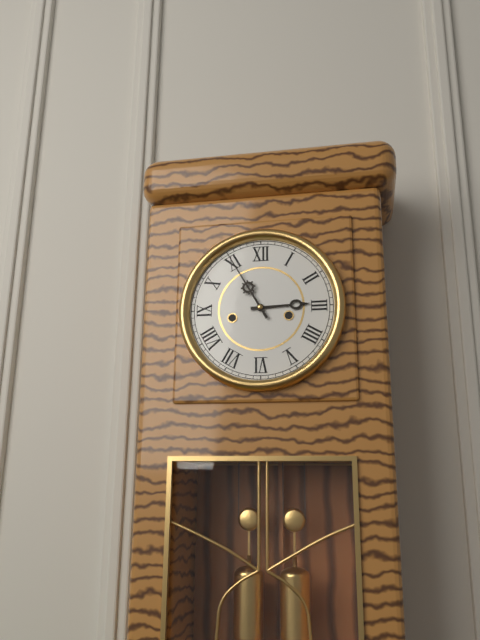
2:55
